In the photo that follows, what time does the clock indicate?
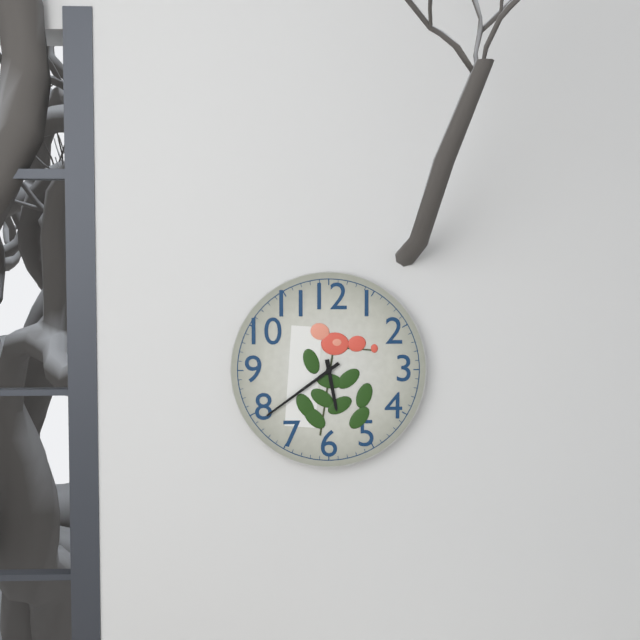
5:39
